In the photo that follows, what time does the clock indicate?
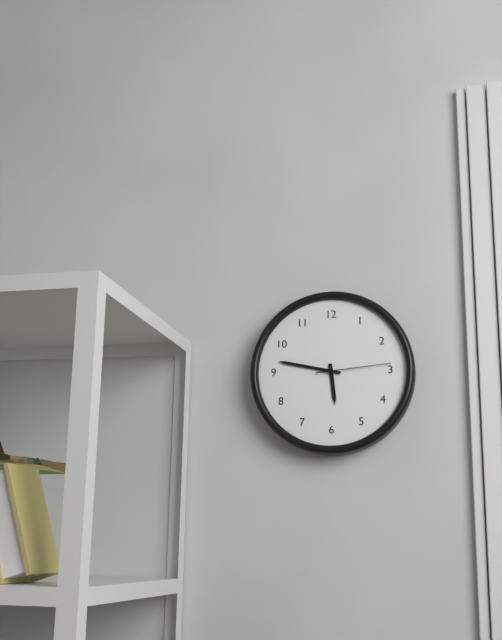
5:47:14
